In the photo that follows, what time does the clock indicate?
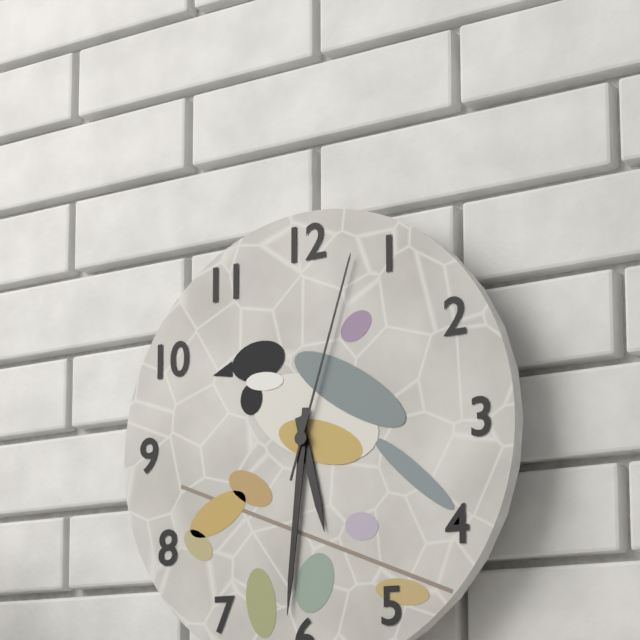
5:31:03
